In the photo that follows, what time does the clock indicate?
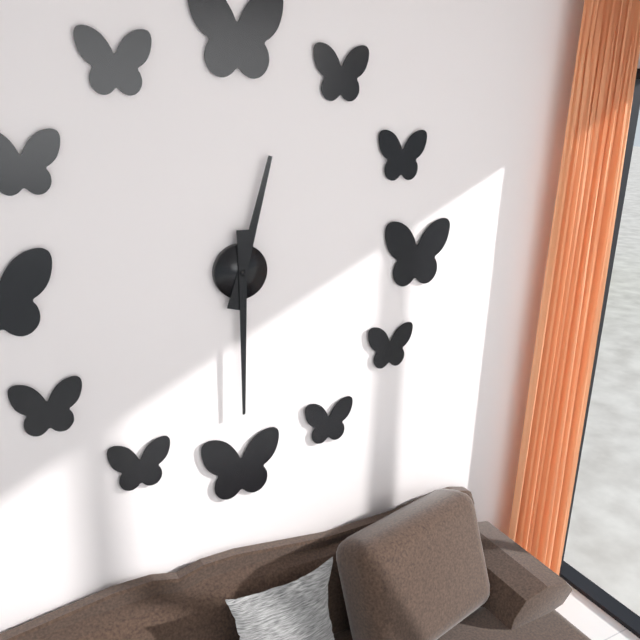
12:30
